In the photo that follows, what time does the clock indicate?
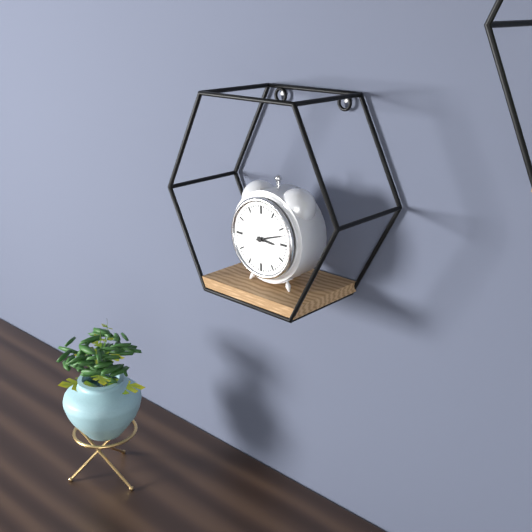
3:12
